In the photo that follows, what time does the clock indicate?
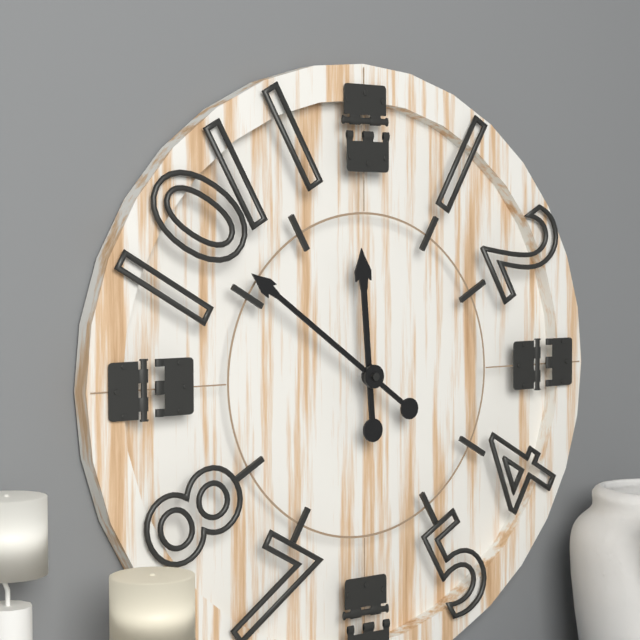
11:51
